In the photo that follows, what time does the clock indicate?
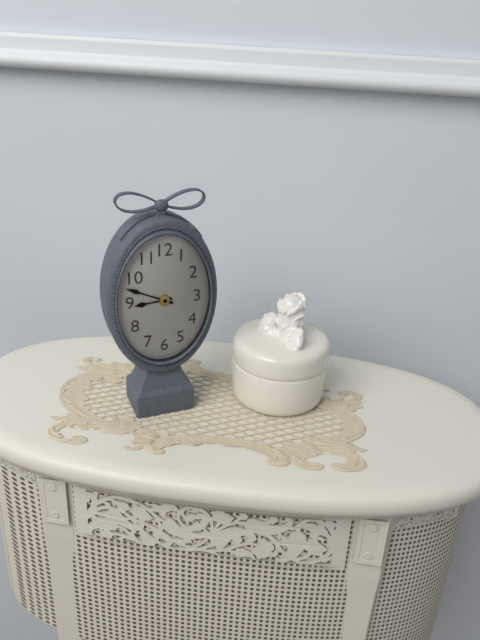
8:49
